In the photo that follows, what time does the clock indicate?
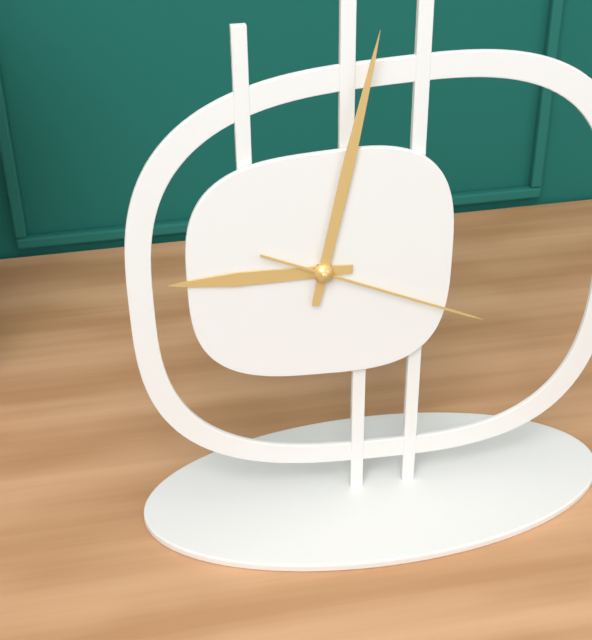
9:02:19
